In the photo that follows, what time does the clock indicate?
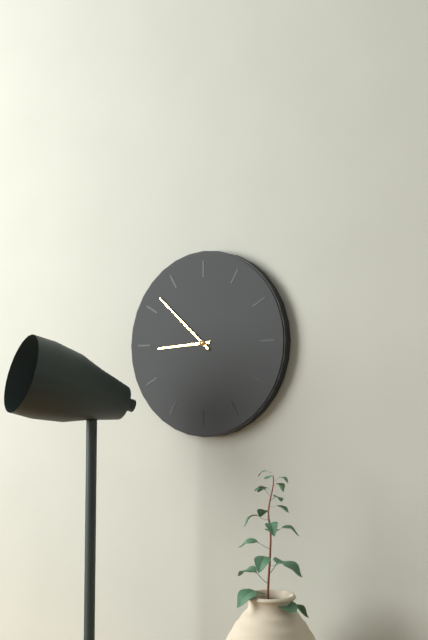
8:52
